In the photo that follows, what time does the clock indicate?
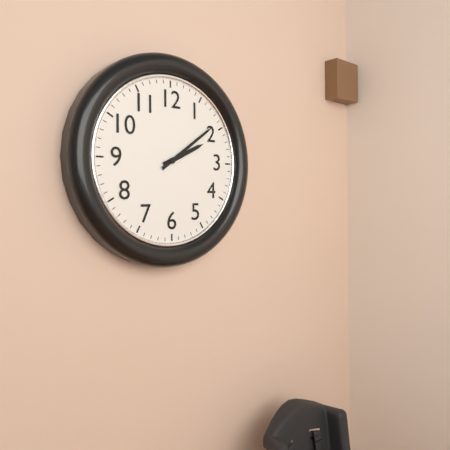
2:09
